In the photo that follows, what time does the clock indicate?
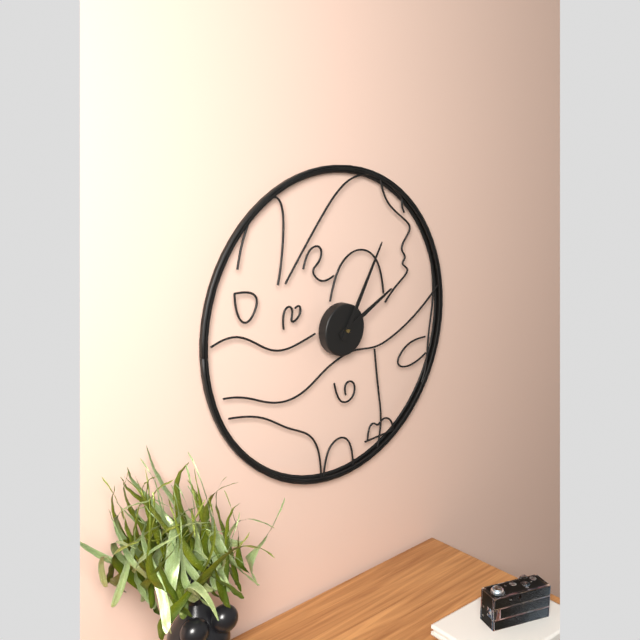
2:05
